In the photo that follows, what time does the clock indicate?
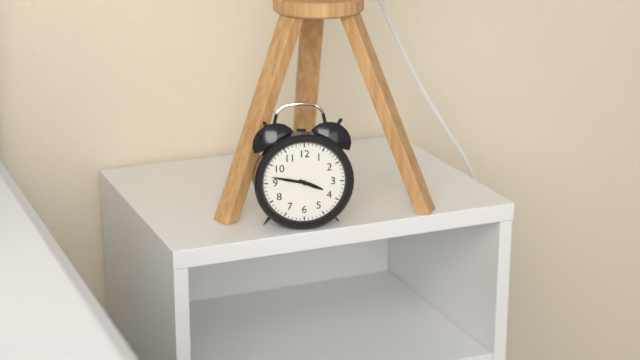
3:47
